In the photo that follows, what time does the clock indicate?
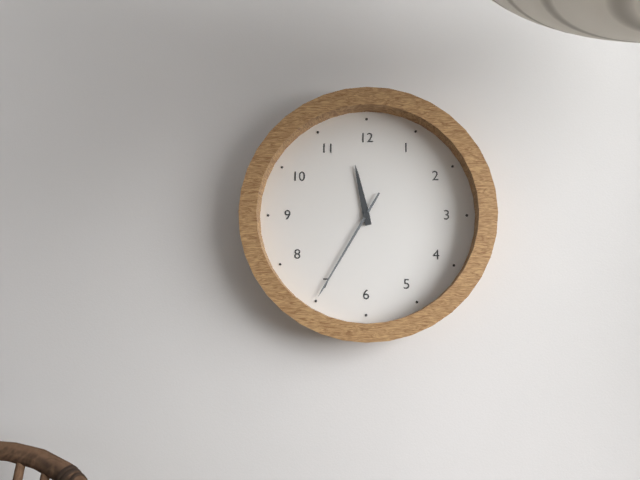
11:35
